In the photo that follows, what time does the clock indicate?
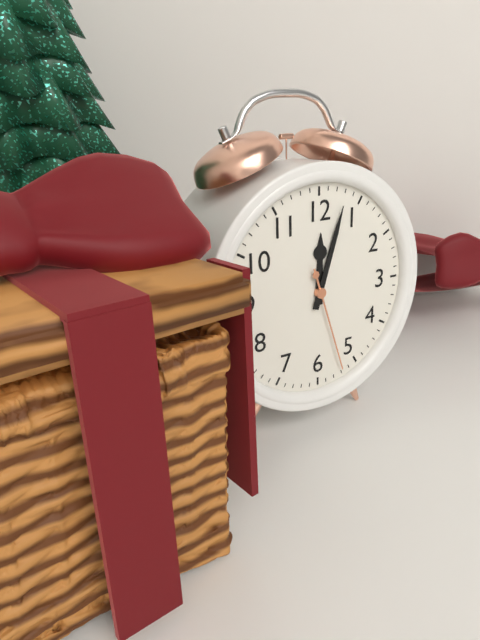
12:03:27
